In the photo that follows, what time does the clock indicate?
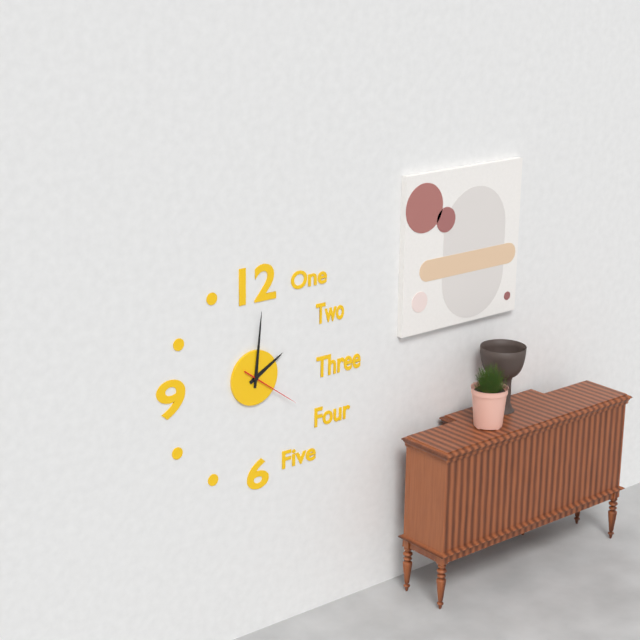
2:01:21
